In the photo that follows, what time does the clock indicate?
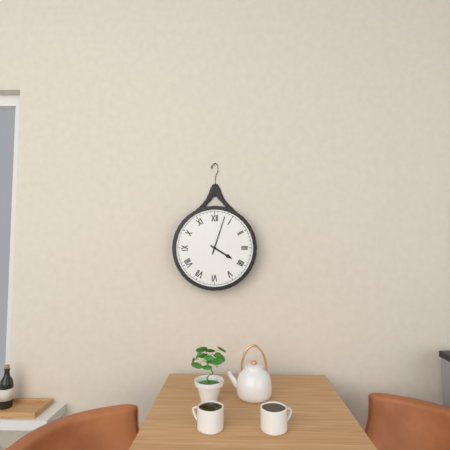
4:03
